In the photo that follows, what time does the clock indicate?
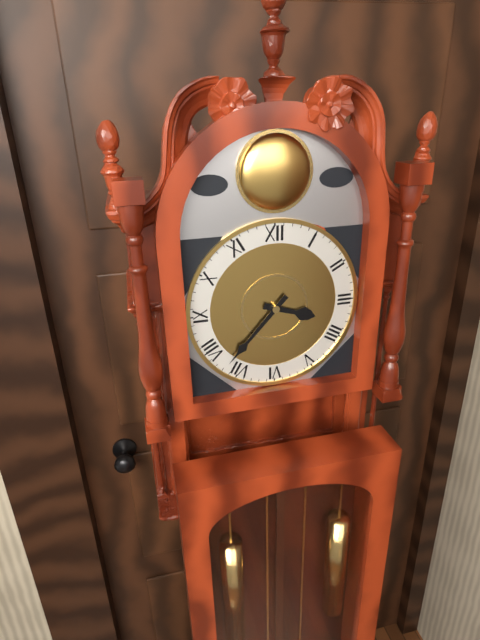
3:37
